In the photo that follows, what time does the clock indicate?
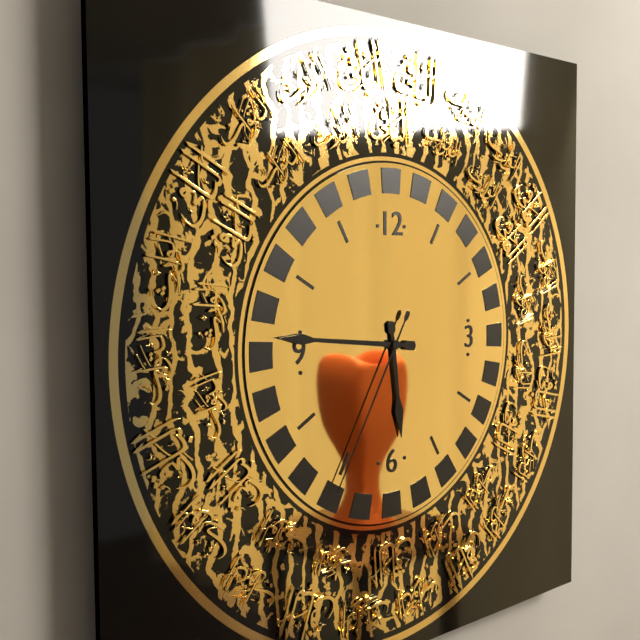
5:46:35
